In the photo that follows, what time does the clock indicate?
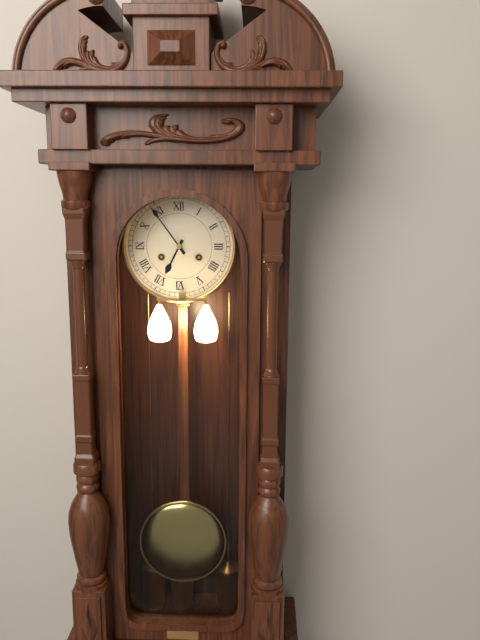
6:54
